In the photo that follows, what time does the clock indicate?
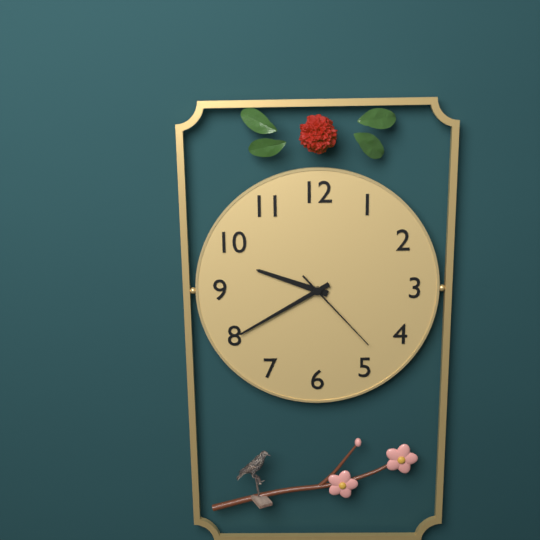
9:40:23
